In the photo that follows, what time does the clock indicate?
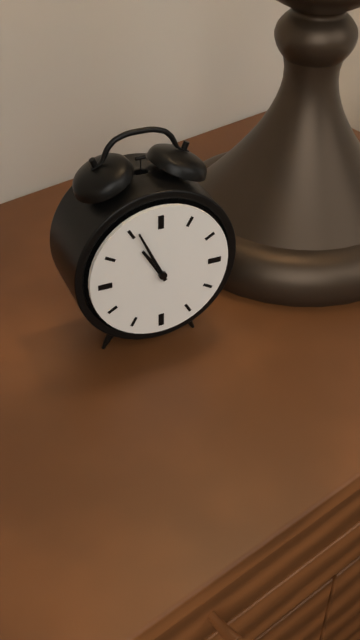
10:56
